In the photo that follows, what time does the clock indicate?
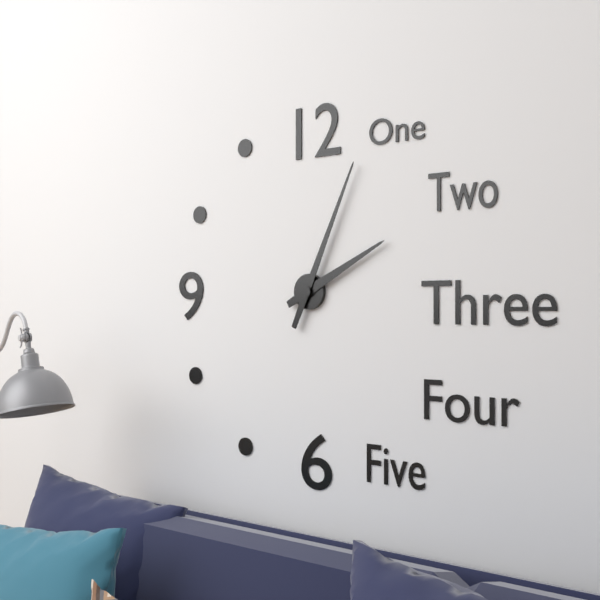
2:04
